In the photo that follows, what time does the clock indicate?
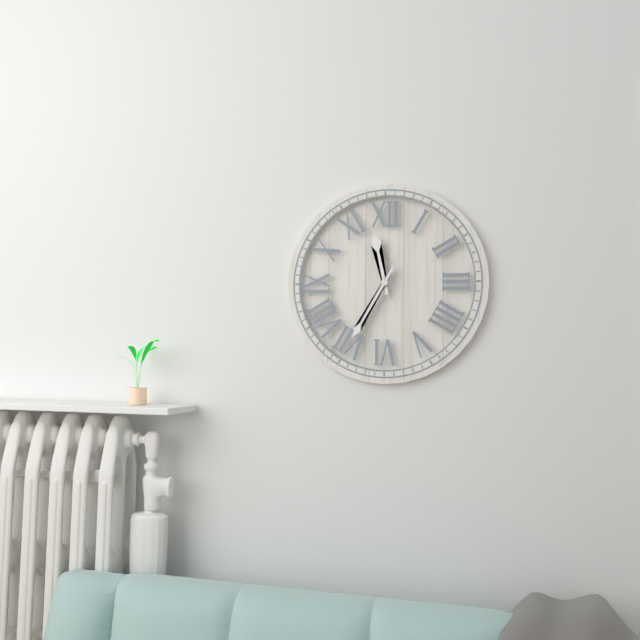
11:35
